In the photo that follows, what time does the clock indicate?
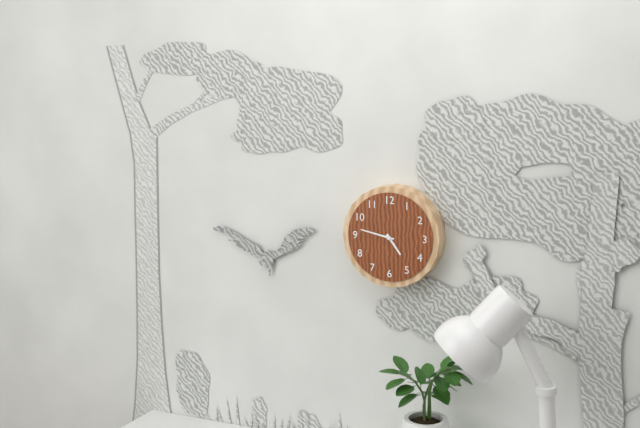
4:47
